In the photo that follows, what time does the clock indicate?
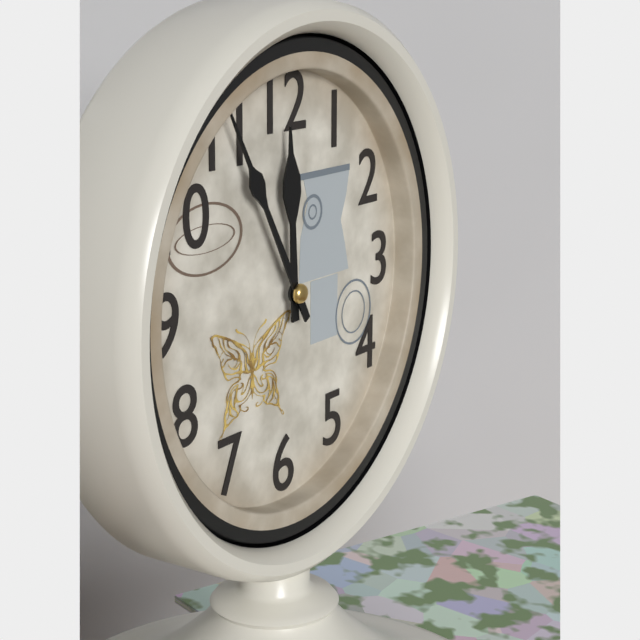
11:55
